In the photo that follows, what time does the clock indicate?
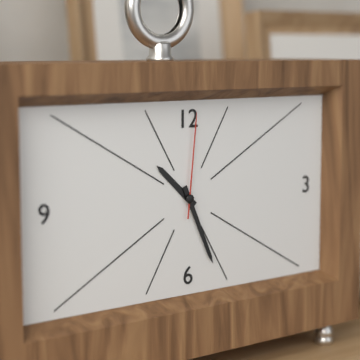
10:26:01
